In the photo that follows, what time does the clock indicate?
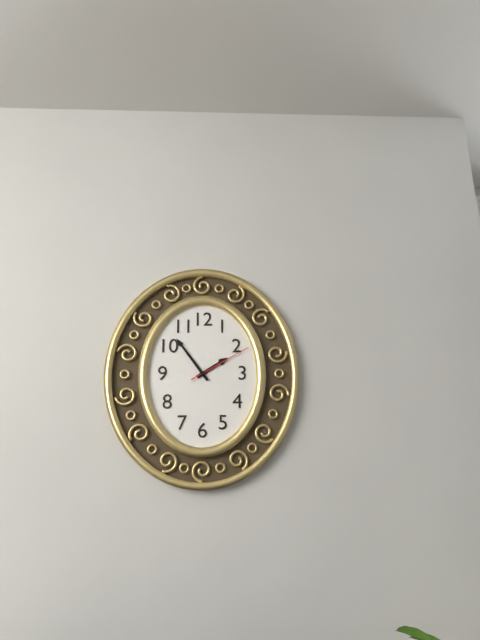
1:54:10
